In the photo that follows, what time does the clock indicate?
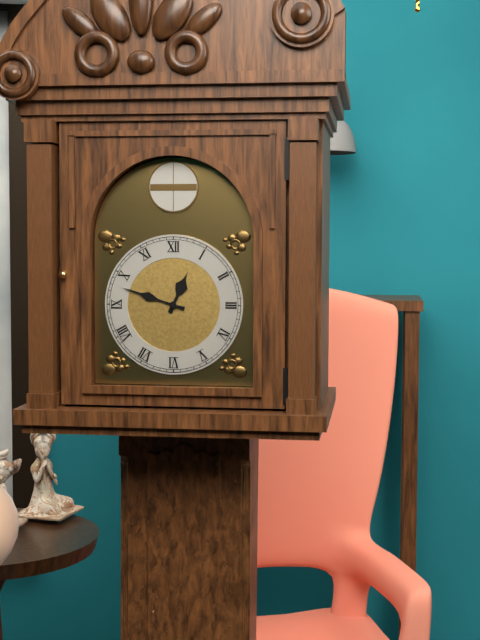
12:48
